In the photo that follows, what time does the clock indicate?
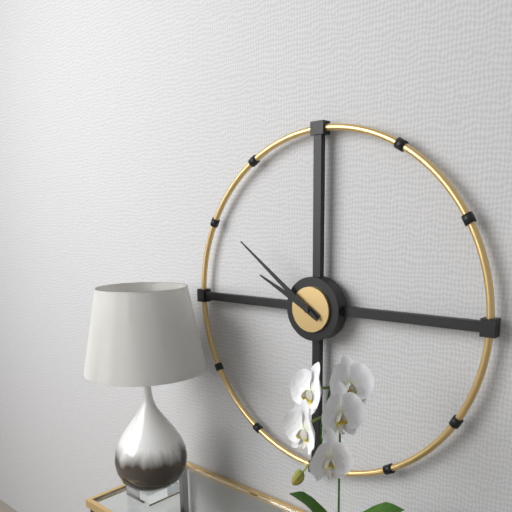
9:51
